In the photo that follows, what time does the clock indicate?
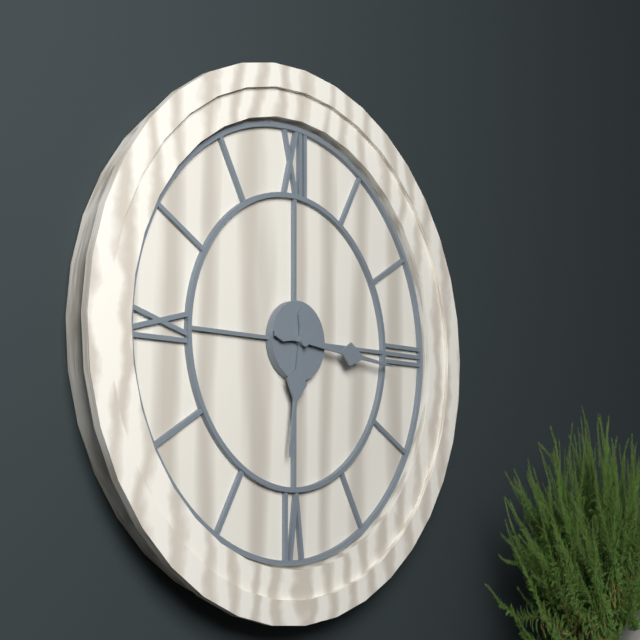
6:16
